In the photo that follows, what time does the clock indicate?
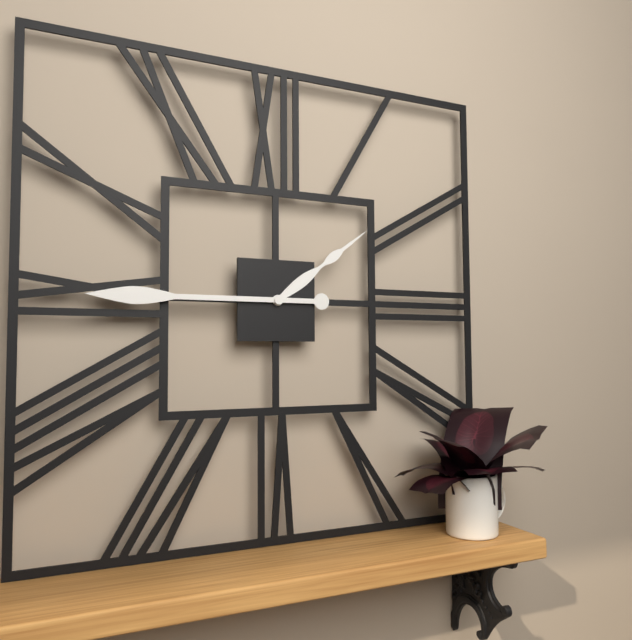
1:45
